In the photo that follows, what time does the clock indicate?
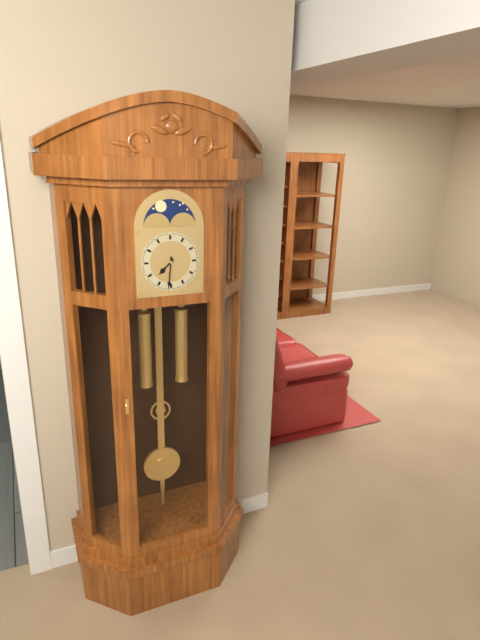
7:31
